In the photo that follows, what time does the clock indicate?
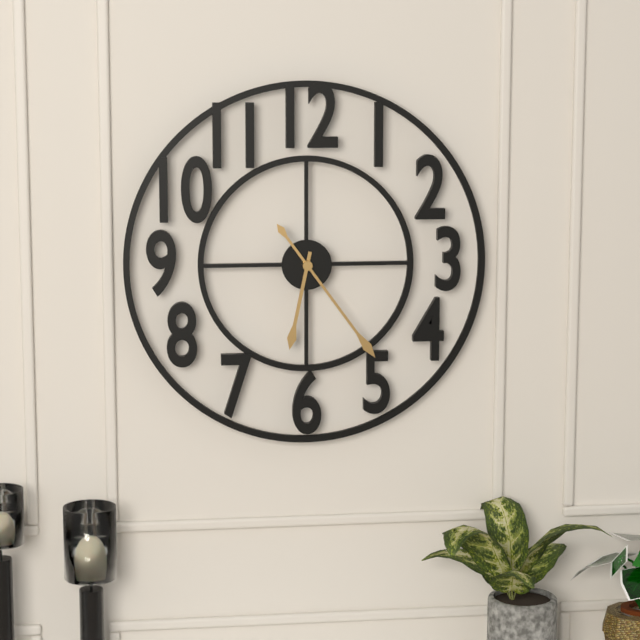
6:24
